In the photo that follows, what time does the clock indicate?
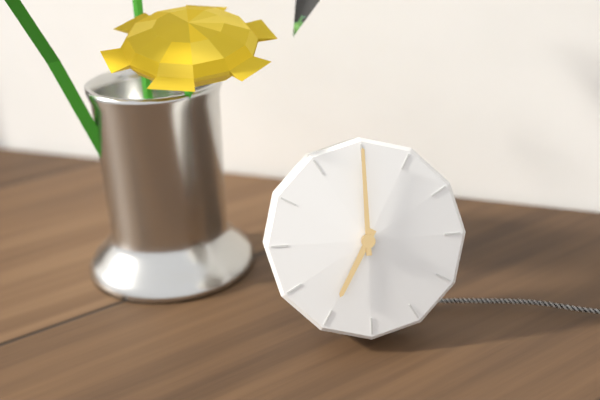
7:00
